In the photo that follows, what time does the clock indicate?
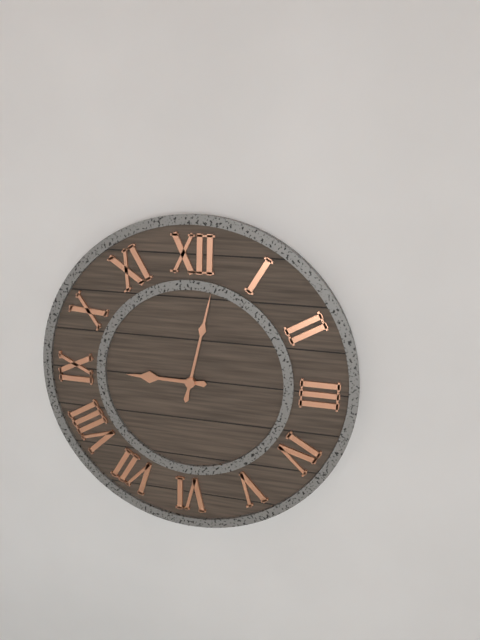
9:02
